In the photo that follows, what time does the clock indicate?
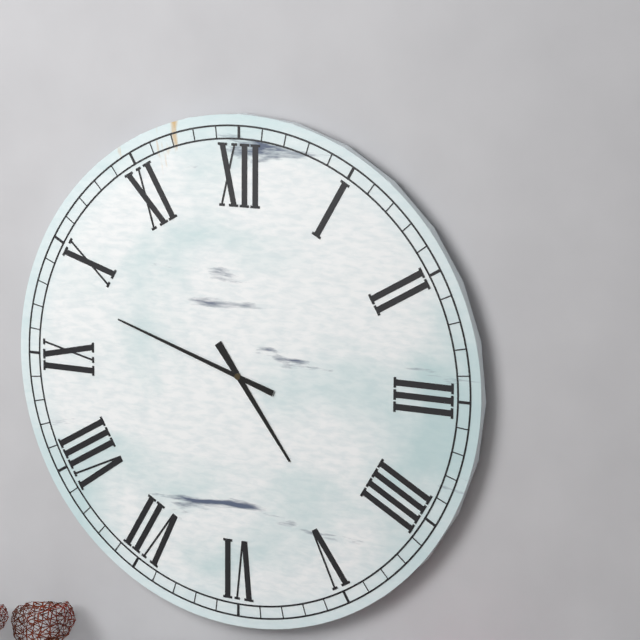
4:48
